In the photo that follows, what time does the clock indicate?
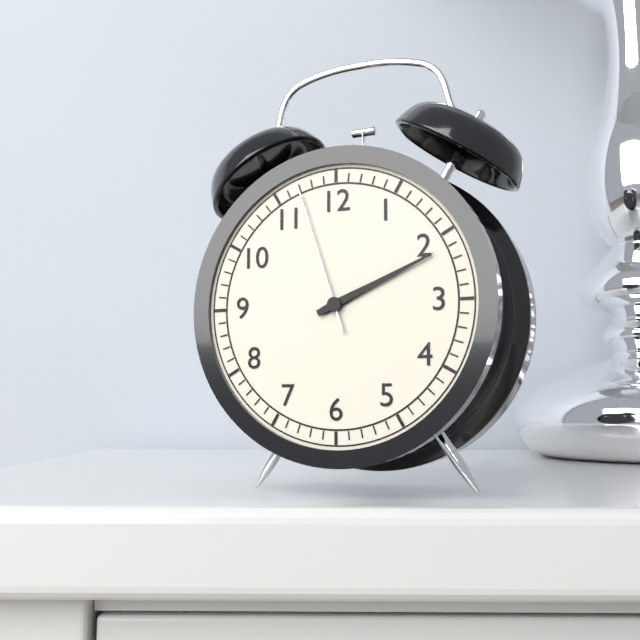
2:11:57
